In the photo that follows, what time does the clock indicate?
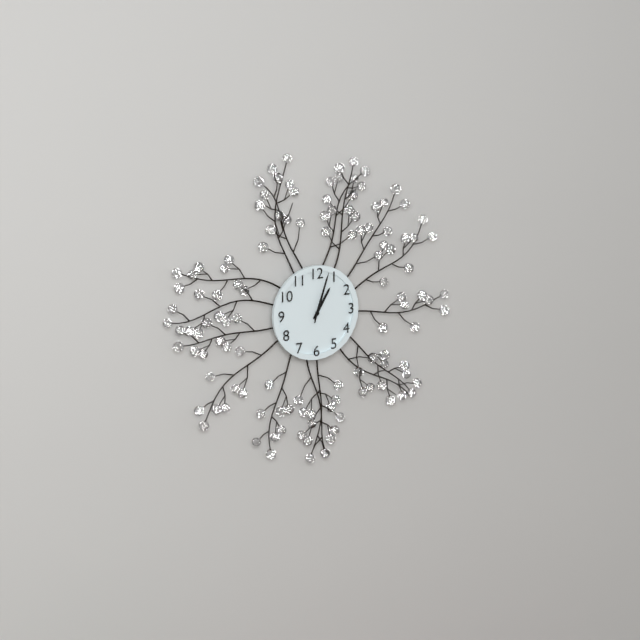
1:03:03
